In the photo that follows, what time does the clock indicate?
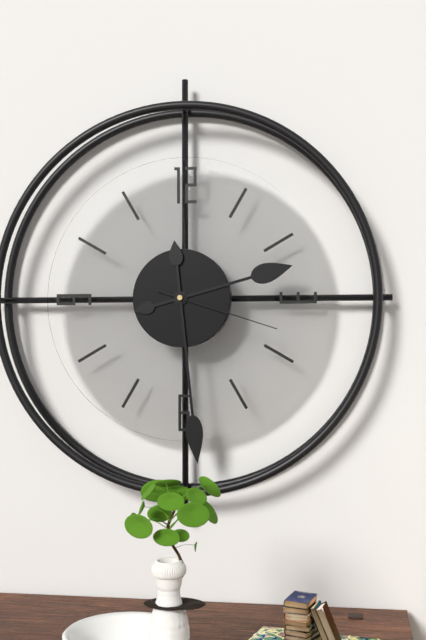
2:29:18
